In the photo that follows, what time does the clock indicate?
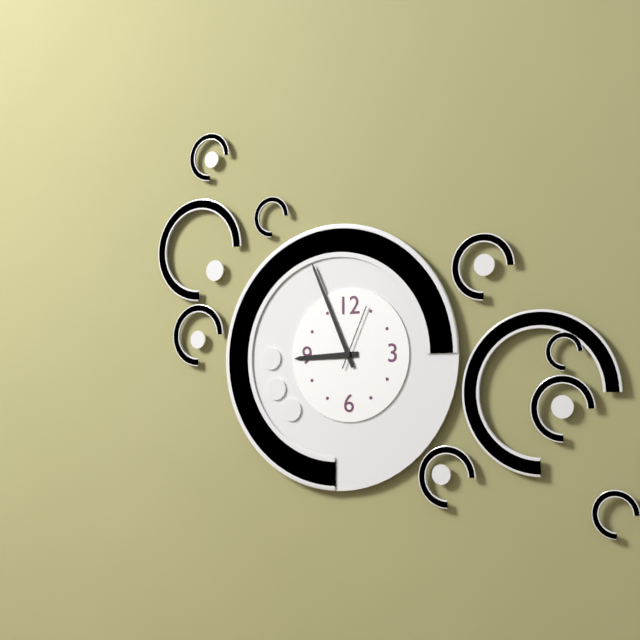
8:56:04
